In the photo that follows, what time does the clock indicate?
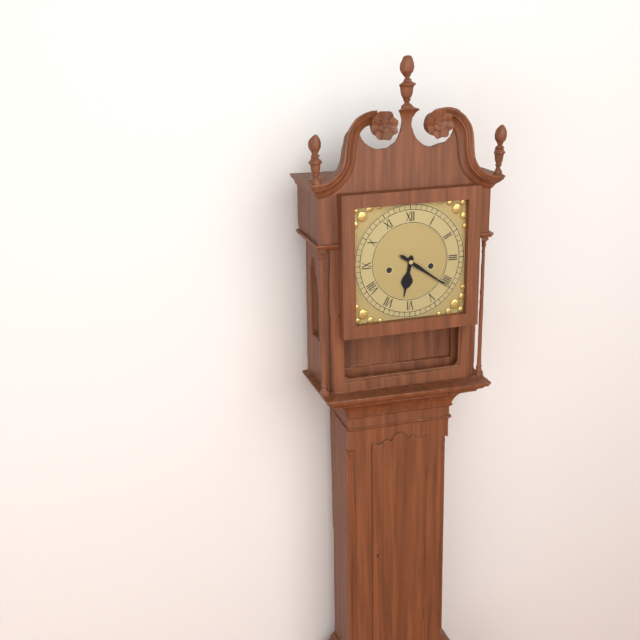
6:21
